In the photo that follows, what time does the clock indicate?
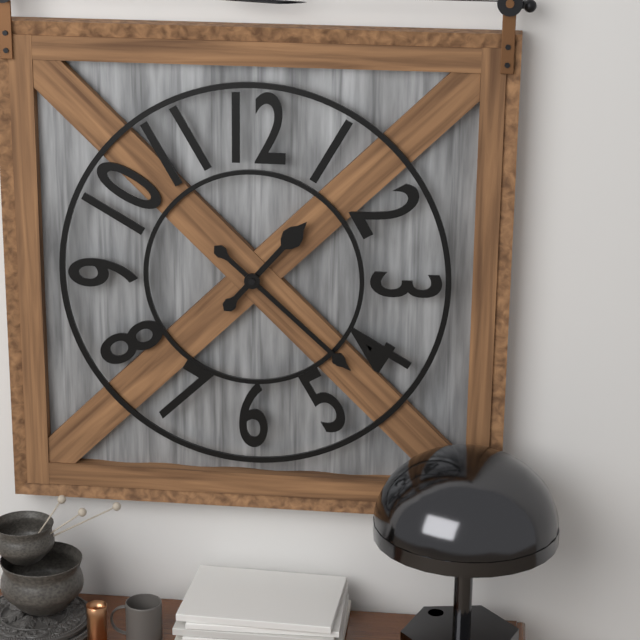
1:22
